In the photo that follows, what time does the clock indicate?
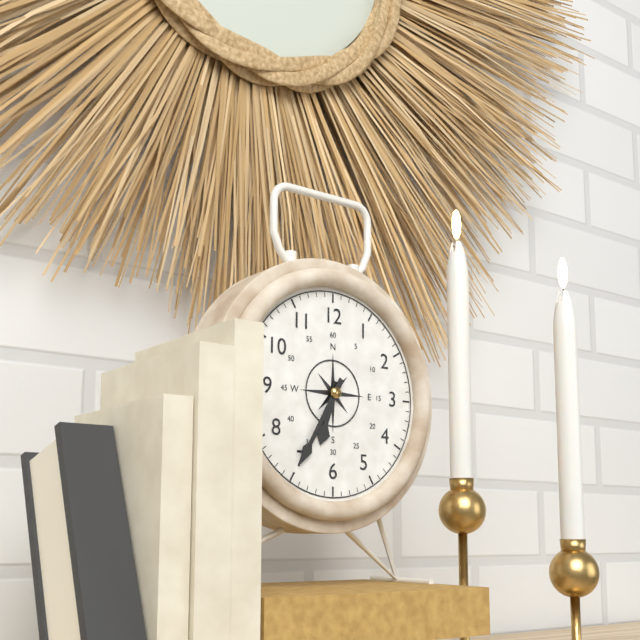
6:35
